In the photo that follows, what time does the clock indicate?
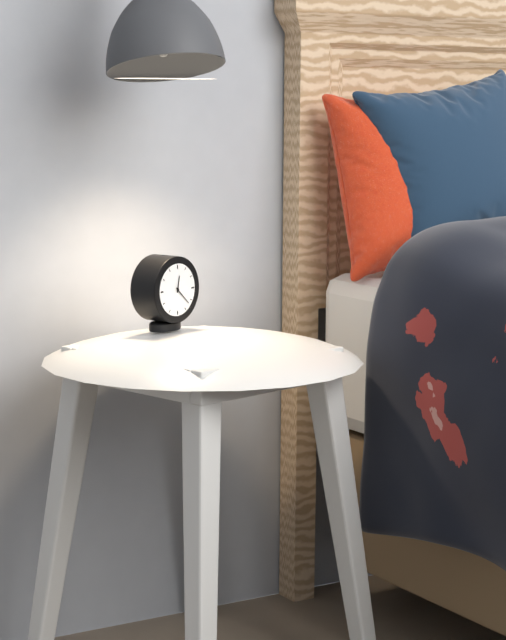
12:22
